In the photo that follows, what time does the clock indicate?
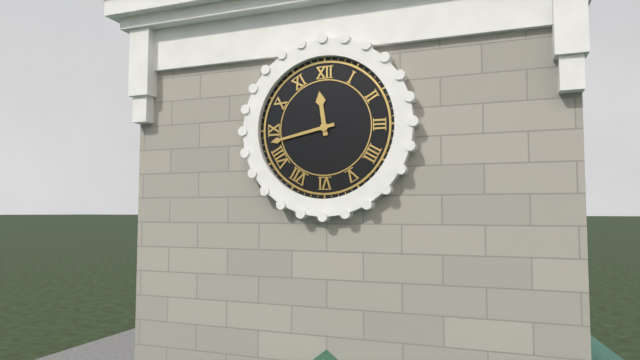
11:43
